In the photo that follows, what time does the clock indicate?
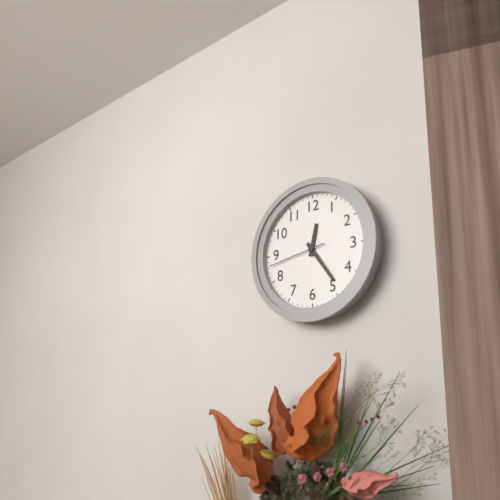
12:24:43
